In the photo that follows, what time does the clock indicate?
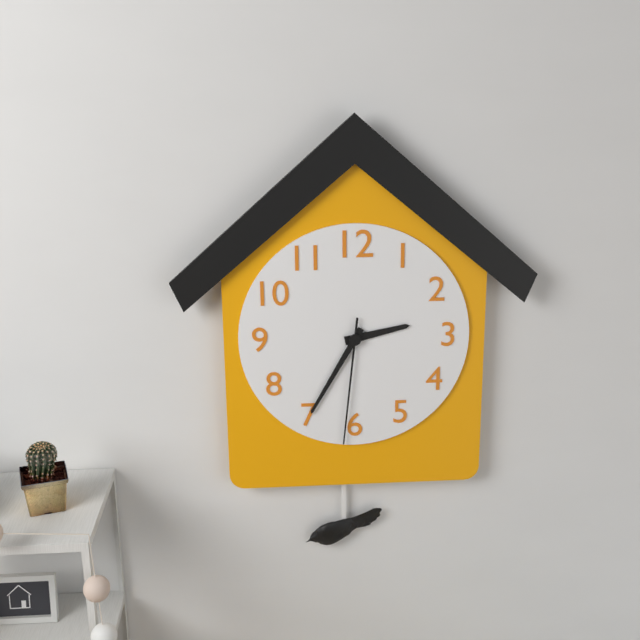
2:35:31
